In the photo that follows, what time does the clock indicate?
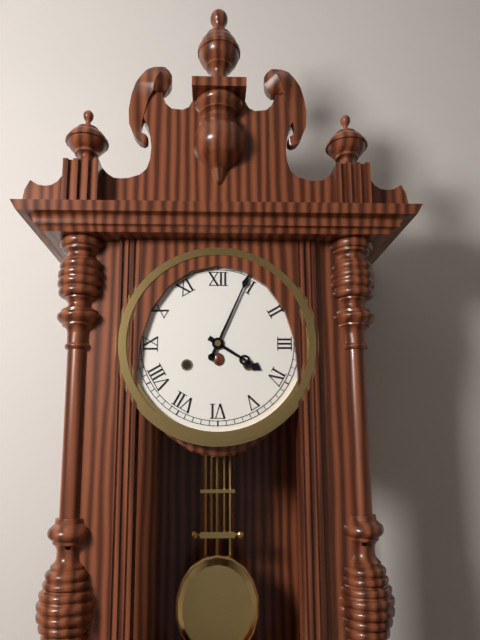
4:04
